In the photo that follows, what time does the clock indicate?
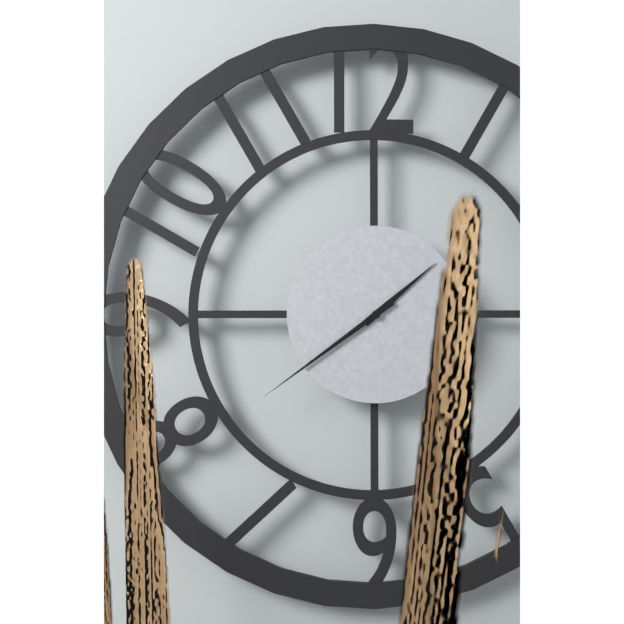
1:39
